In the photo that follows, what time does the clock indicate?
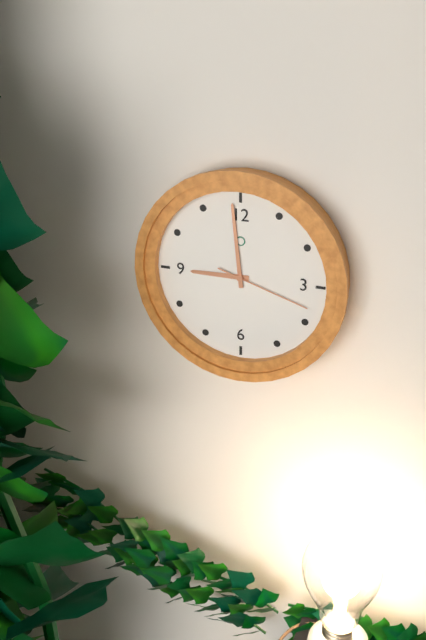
8:59:18
